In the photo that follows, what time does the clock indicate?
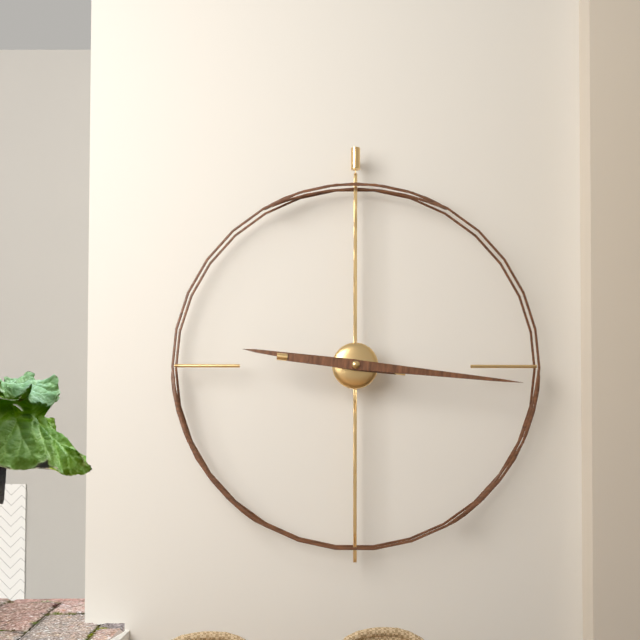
9:16
